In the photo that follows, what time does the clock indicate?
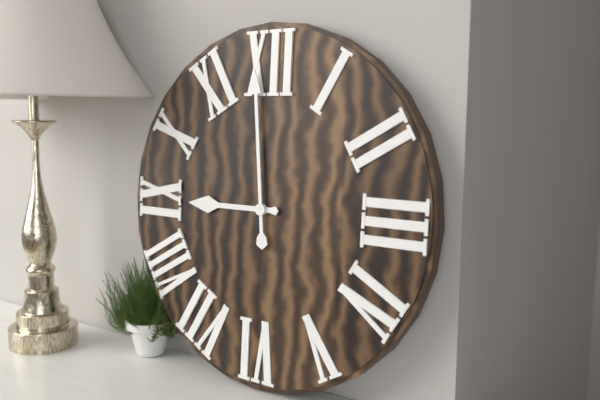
8:59
